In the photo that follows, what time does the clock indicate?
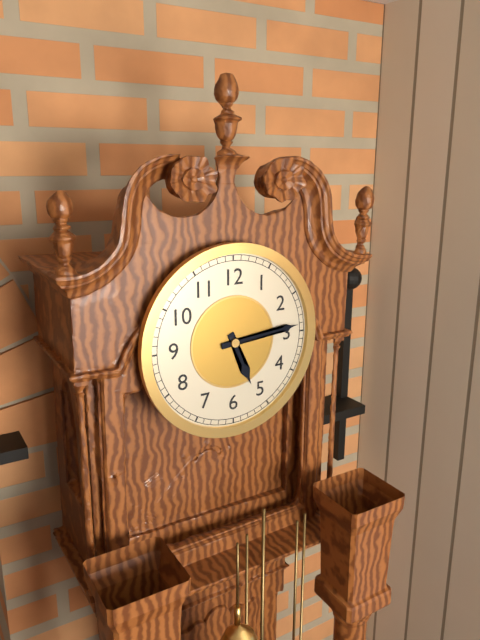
5:14
